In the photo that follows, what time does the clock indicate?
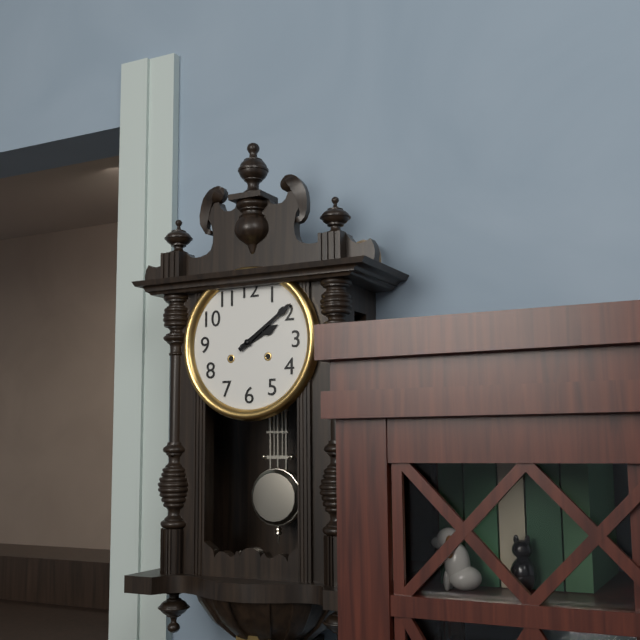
2:09
